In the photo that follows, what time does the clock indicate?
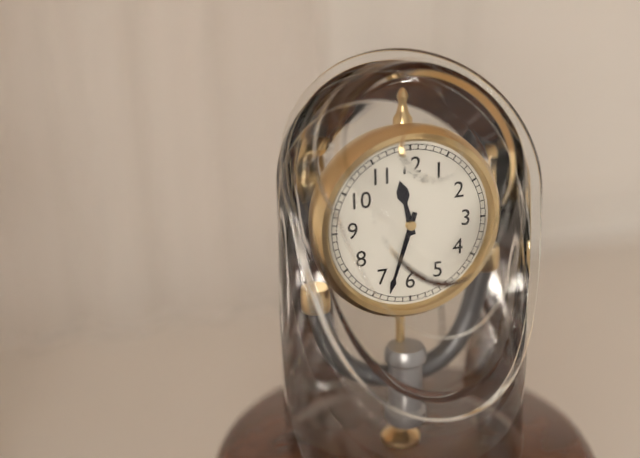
11:33
